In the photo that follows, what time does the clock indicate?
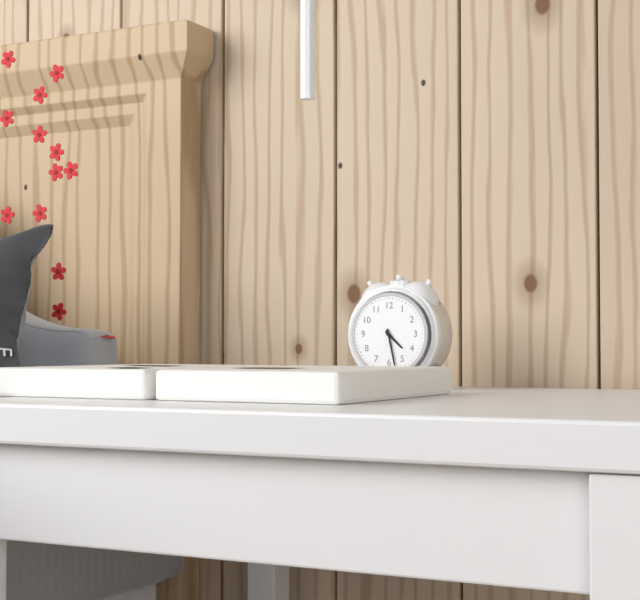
4:28
